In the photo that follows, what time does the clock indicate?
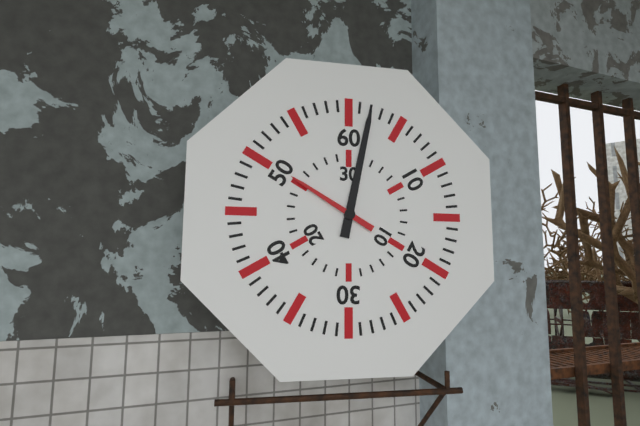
10:02
